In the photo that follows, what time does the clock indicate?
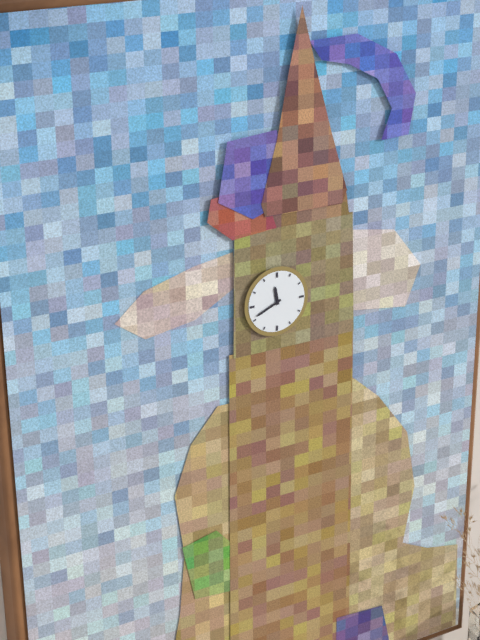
11:41
